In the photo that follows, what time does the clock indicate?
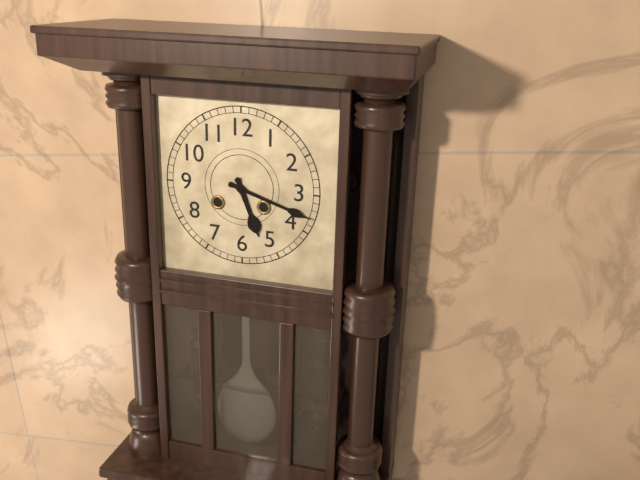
5:18
